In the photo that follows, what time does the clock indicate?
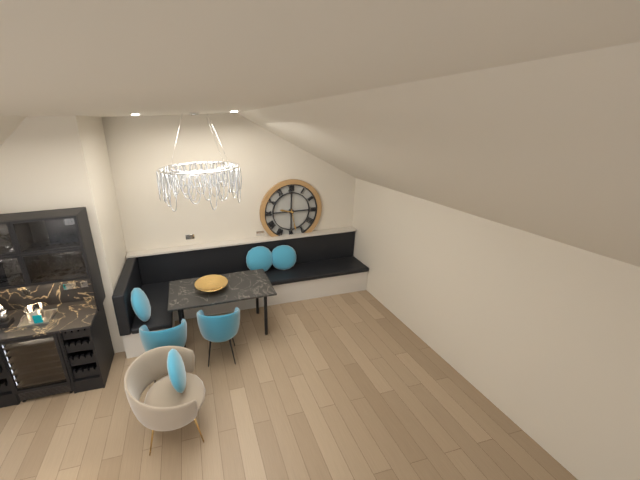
9:28
